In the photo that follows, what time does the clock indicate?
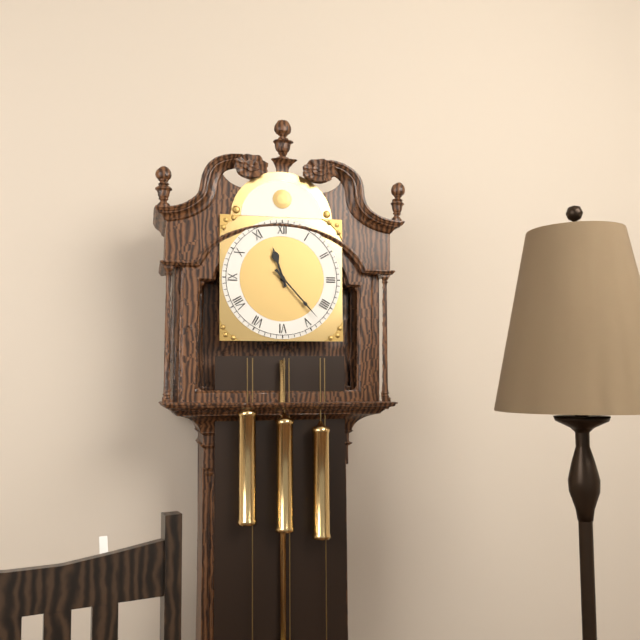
11:23
